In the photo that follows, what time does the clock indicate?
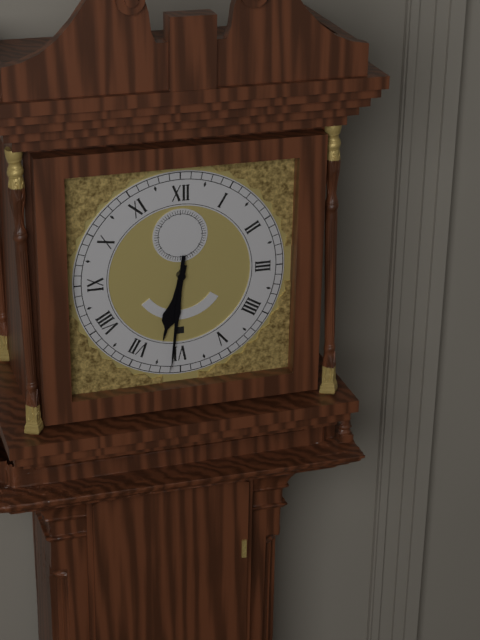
6:31
